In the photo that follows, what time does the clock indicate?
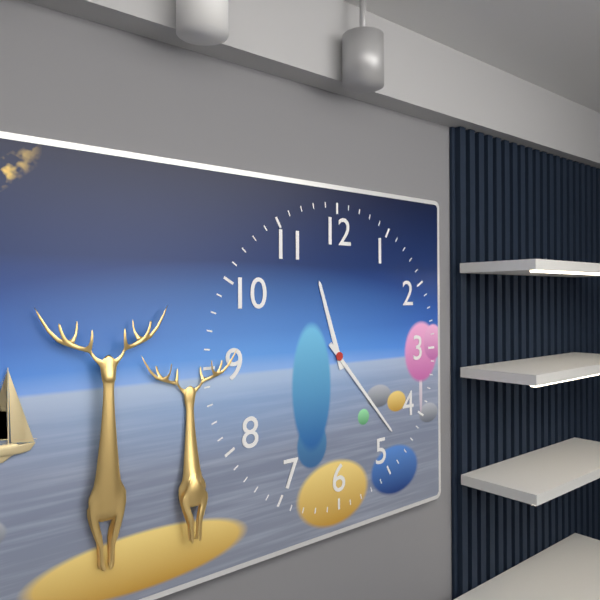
11:23
